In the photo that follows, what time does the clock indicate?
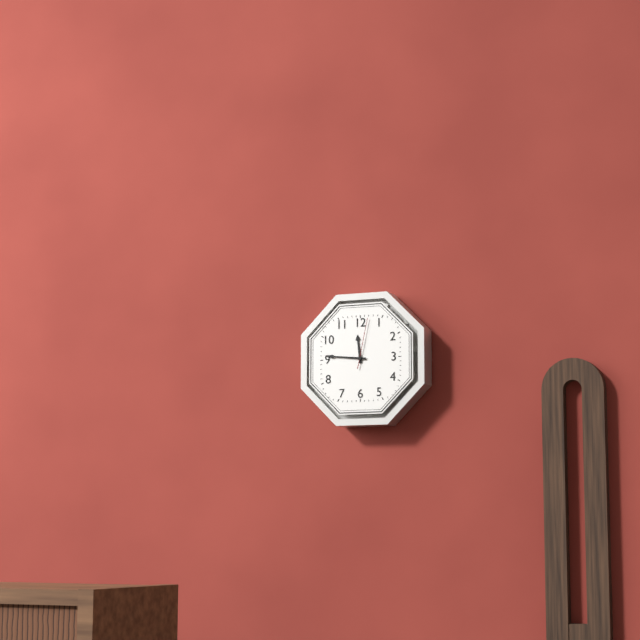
11:46:02
